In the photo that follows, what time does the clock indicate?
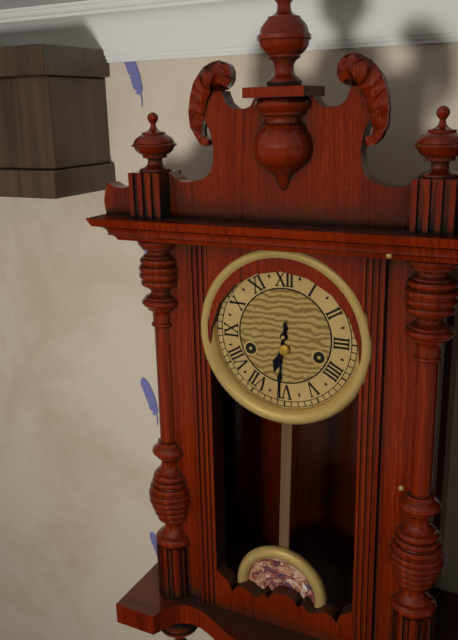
6:31
